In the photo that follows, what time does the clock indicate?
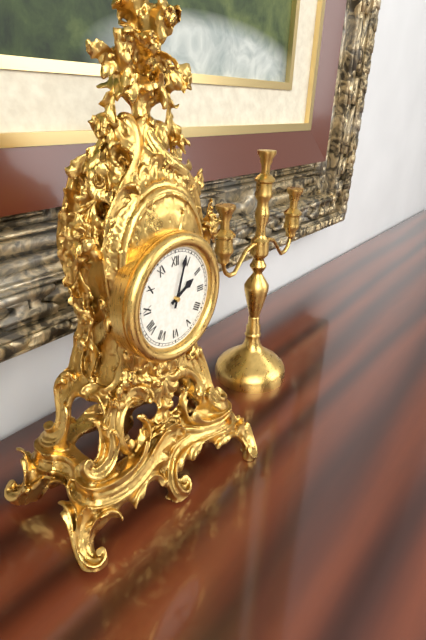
2:03
